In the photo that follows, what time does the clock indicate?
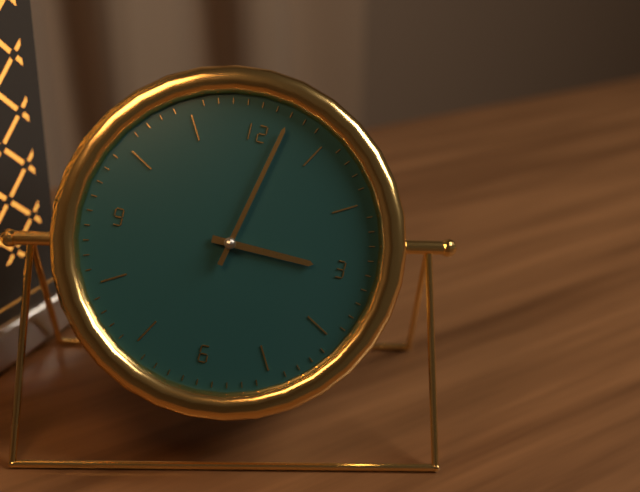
3:02
